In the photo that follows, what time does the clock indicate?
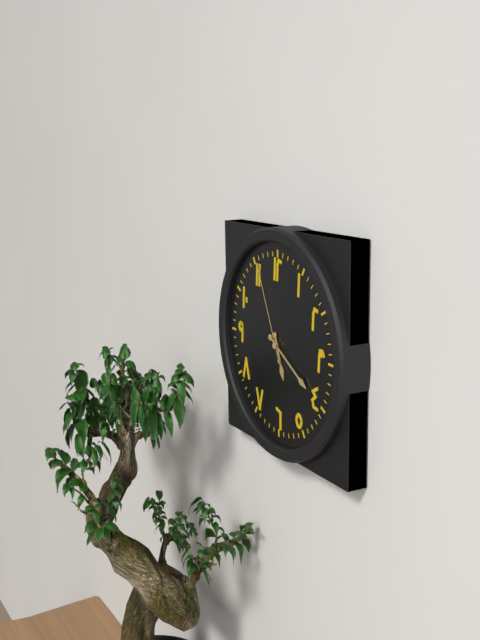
5:20:56
